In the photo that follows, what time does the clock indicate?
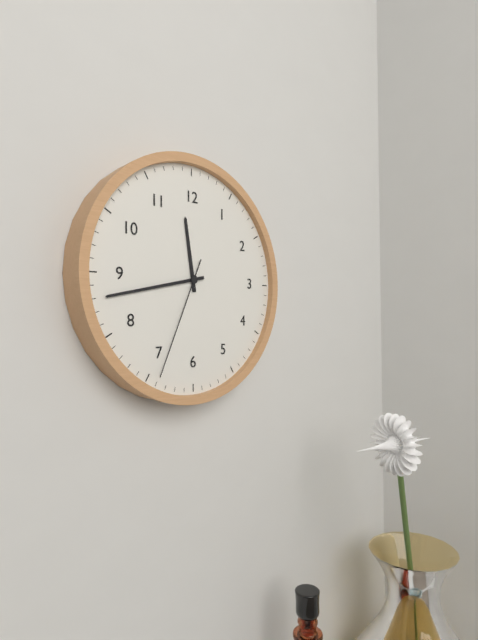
11:43:34
